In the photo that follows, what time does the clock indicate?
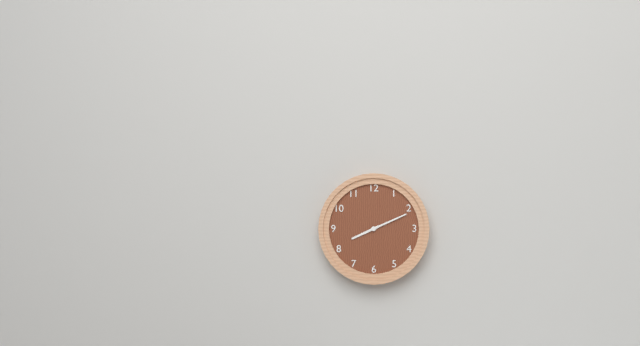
8:11
